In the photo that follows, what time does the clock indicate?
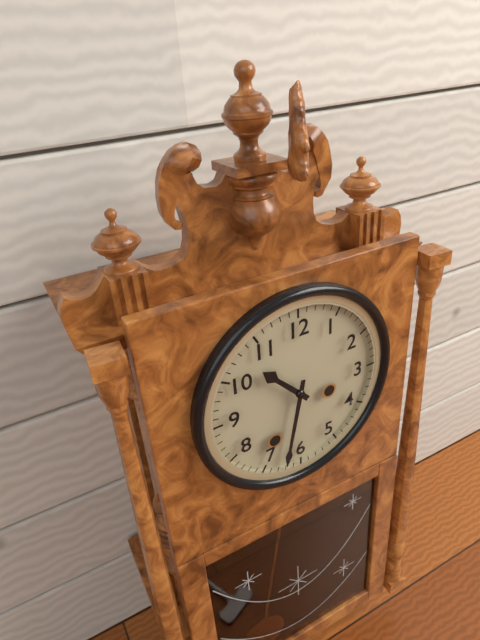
10:32
